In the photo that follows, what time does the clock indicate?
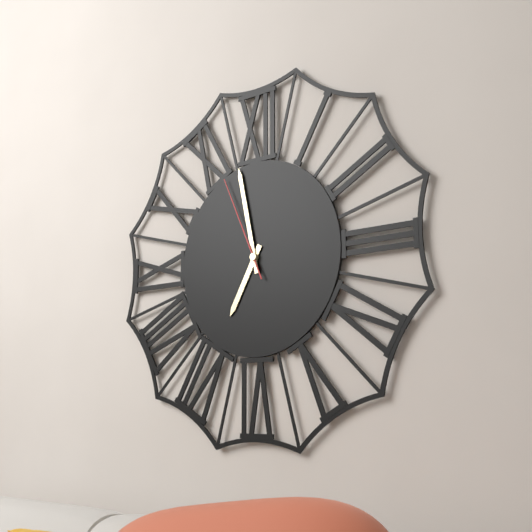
6:58:56
